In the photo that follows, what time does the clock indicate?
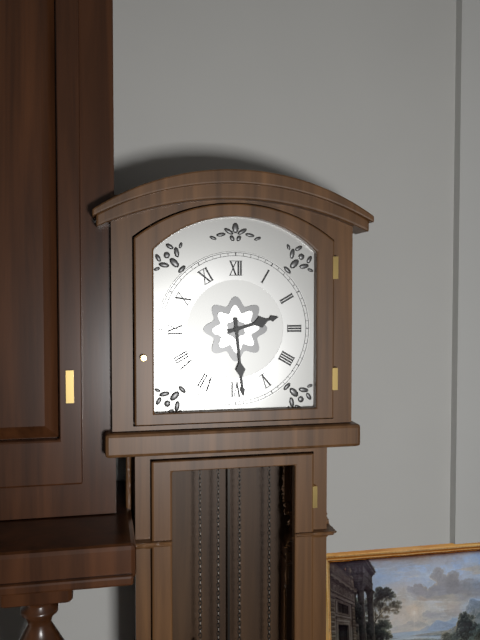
2:29
